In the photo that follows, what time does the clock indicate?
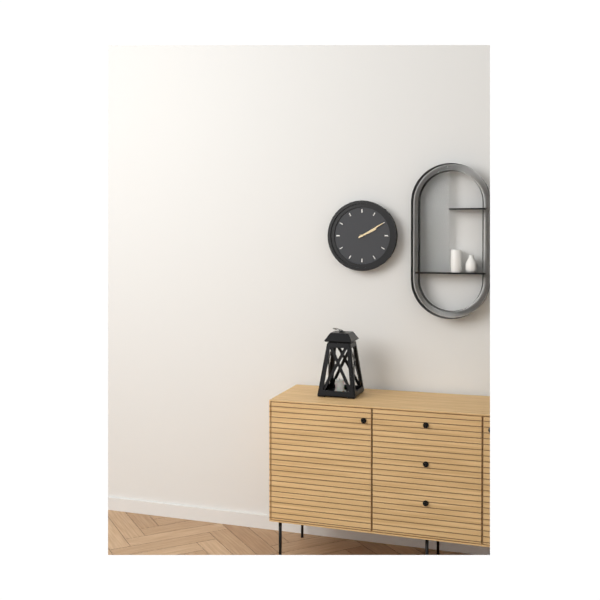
2:10
